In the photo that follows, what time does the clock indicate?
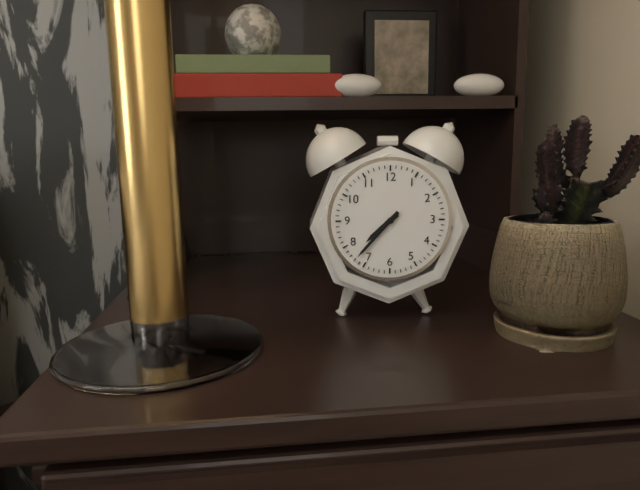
7:37
